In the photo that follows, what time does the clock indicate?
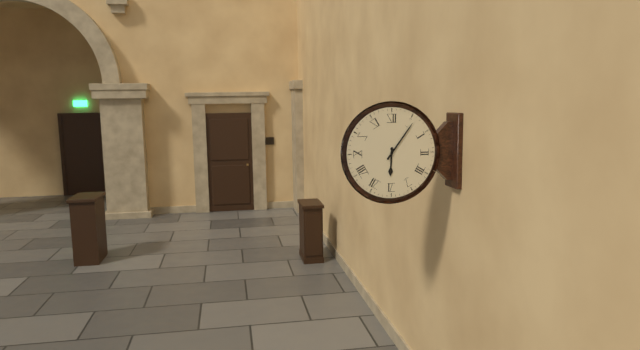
6:06
